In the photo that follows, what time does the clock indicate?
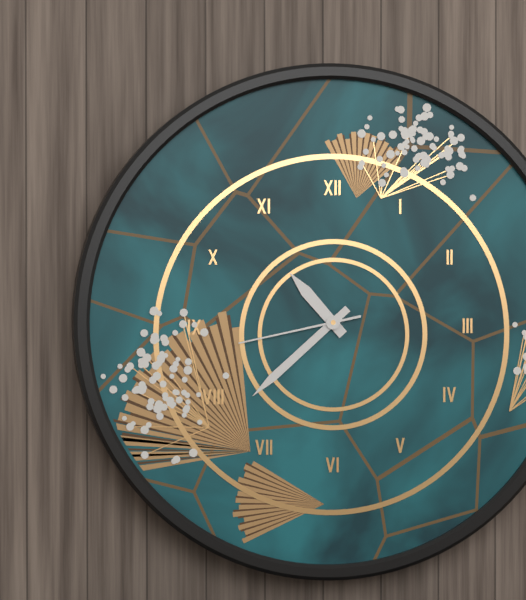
10:38:43
